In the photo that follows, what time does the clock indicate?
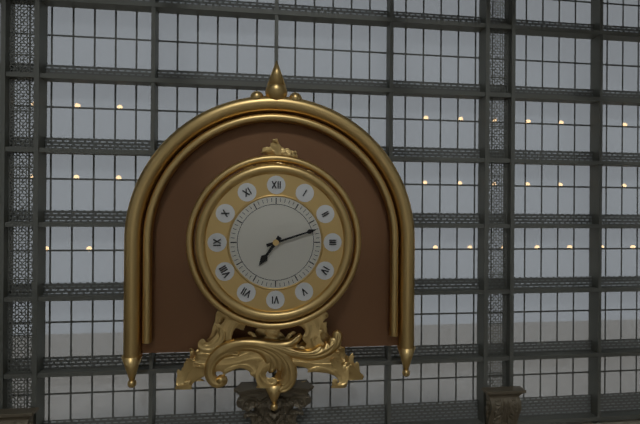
7:12
